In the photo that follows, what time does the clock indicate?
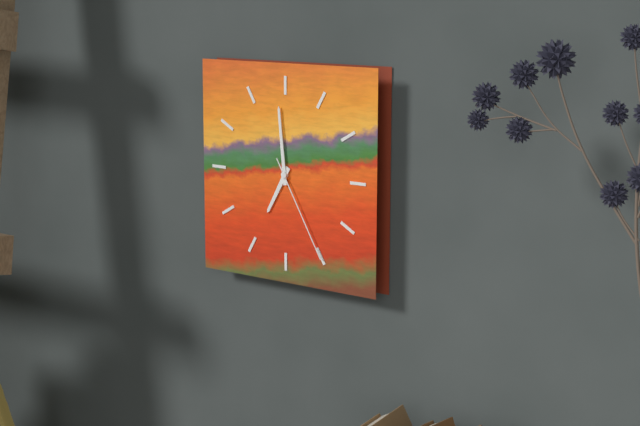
6:59:25
